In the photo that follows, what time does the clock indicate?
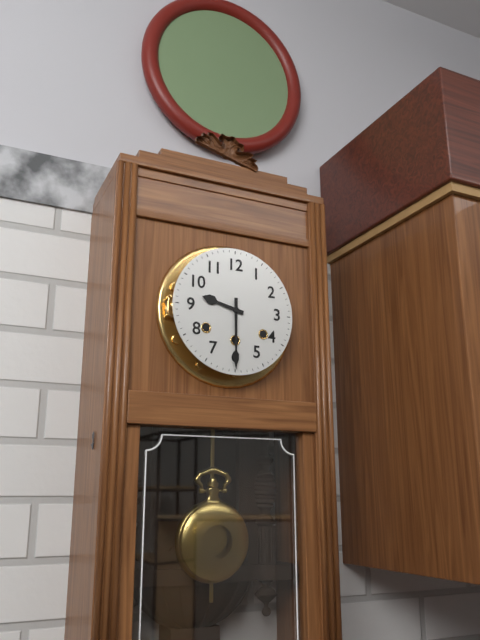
9:30
